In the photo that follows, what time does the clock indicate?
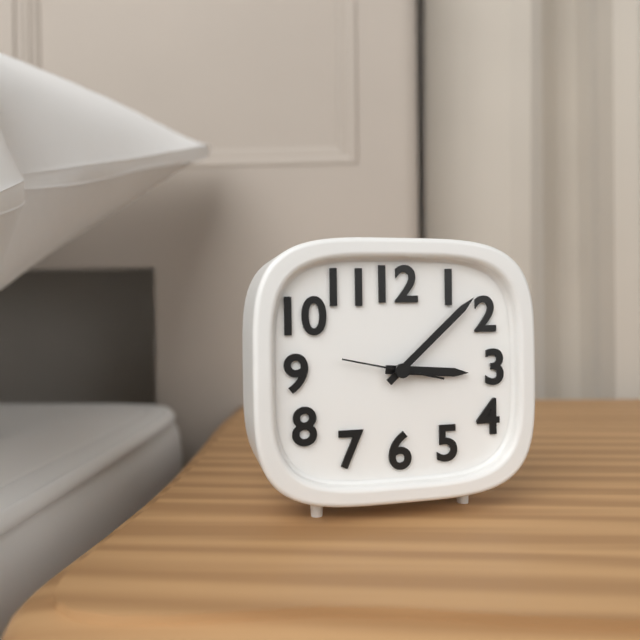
3:08:47
